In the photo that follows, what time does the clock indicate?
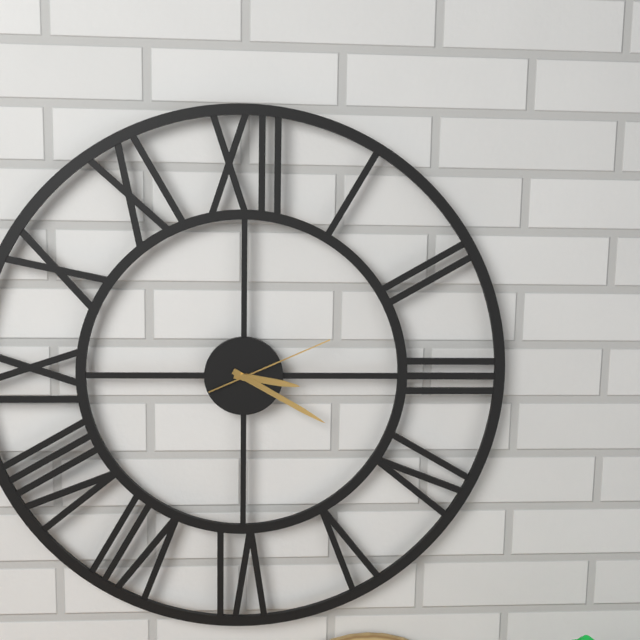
3:20:11
